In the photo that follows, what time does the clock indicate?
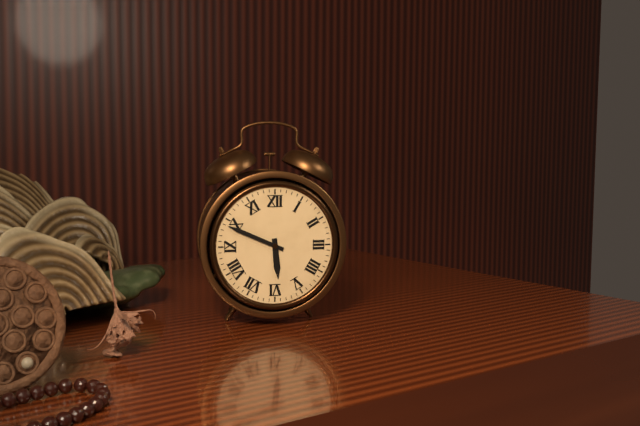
5:49
